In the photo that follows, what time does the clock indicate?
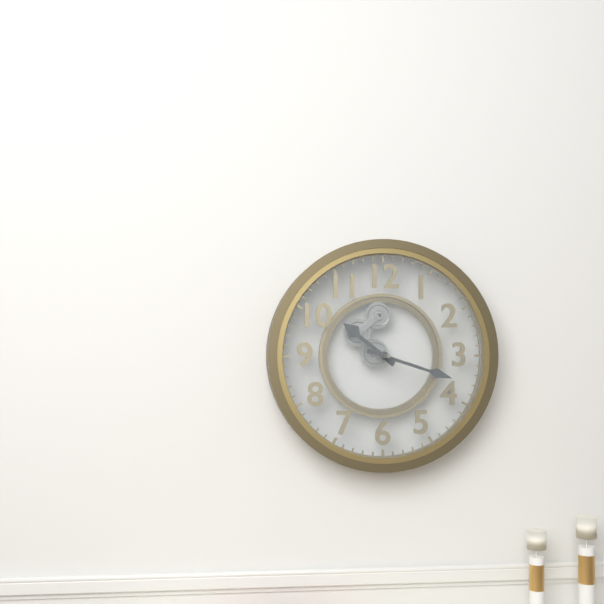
10:18
